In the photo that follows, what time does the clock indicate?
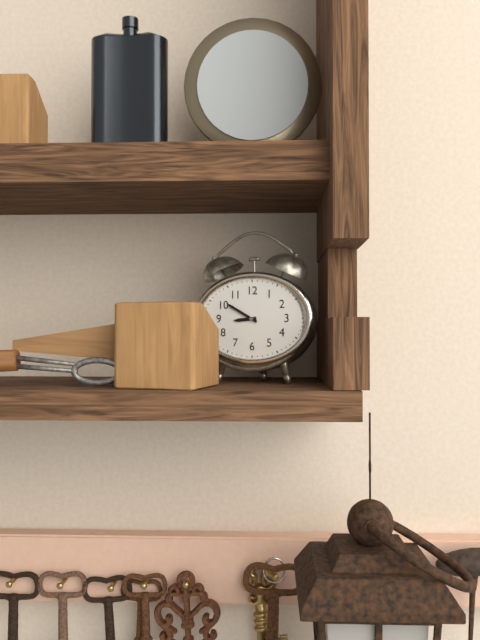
8:50
